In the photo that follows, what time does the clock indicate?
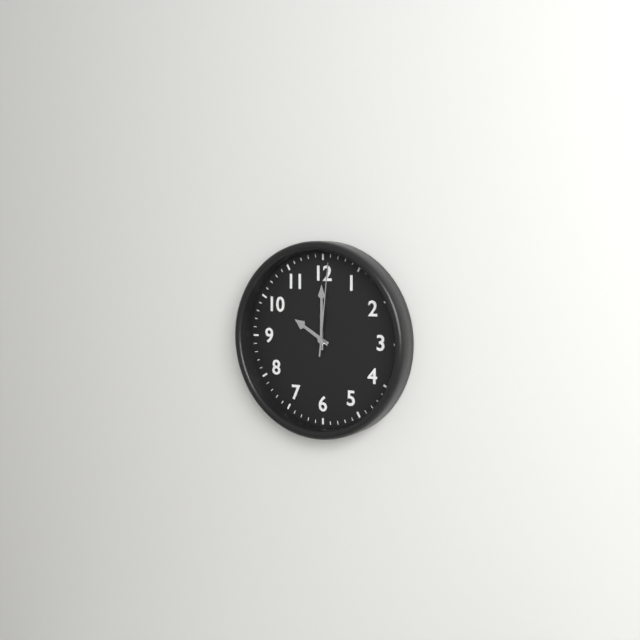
10:00:01
